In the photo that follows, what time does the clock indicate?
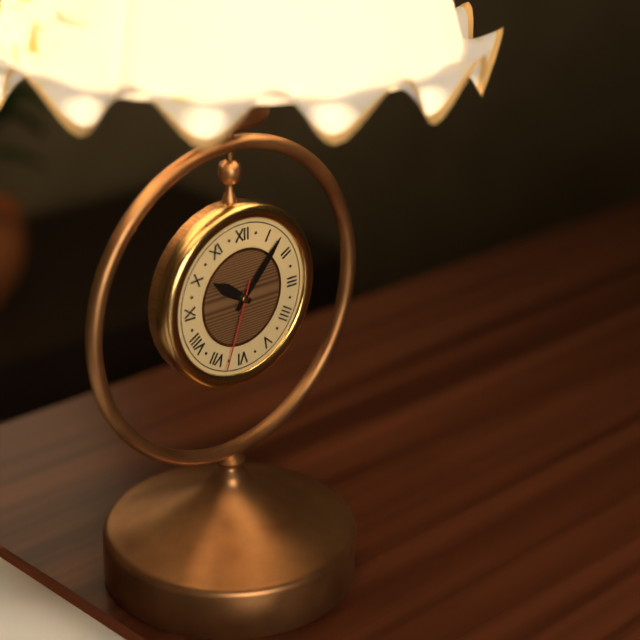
10:07:33
